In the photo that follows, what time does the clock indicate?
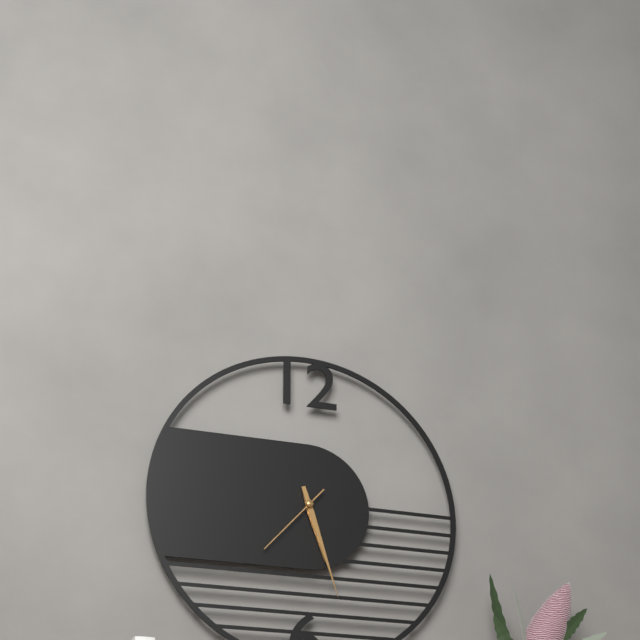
5:27:37
